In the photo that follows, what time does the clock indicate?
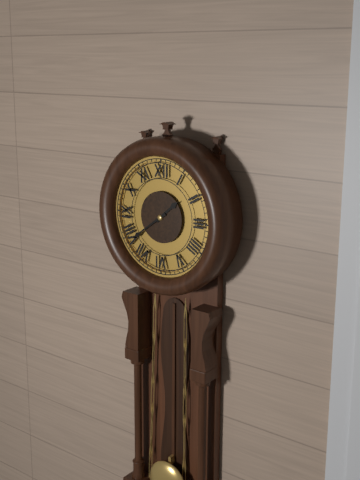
1:39
